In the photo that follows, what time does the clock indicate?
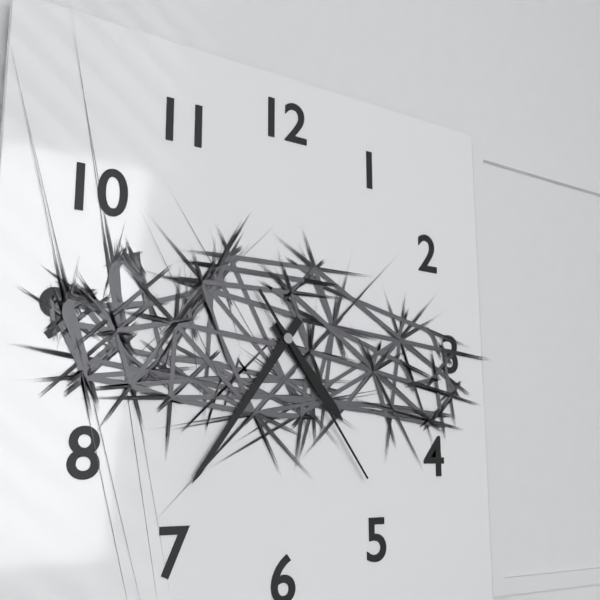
4:36:24
